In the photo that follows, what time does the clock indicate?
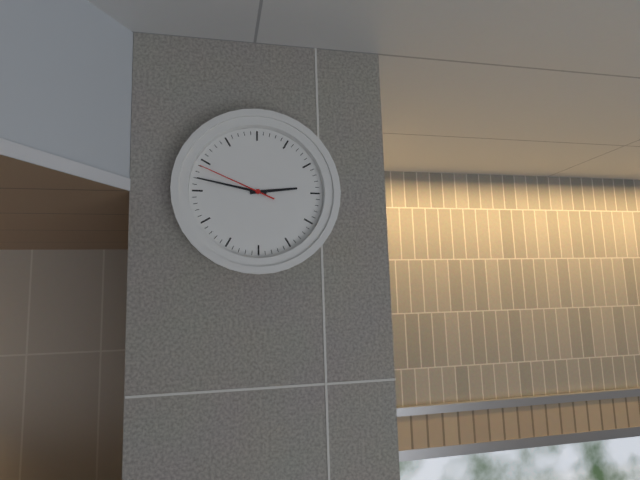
2:47:49
